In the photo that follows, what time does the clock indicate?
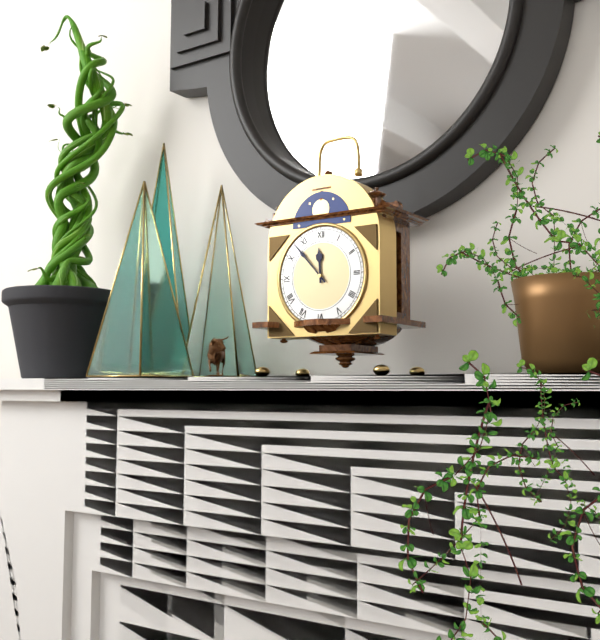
11:53
